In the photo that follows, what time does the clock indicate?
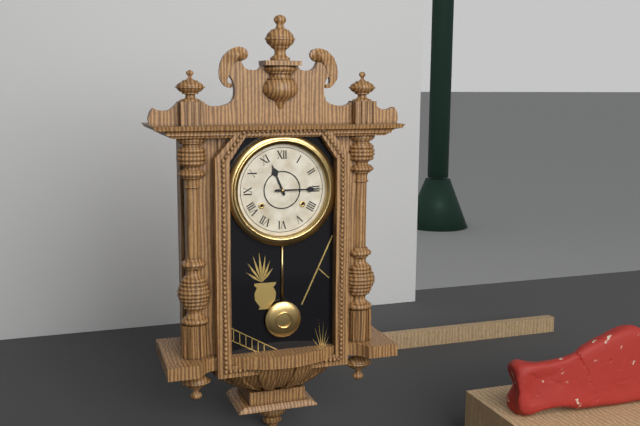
11:15
